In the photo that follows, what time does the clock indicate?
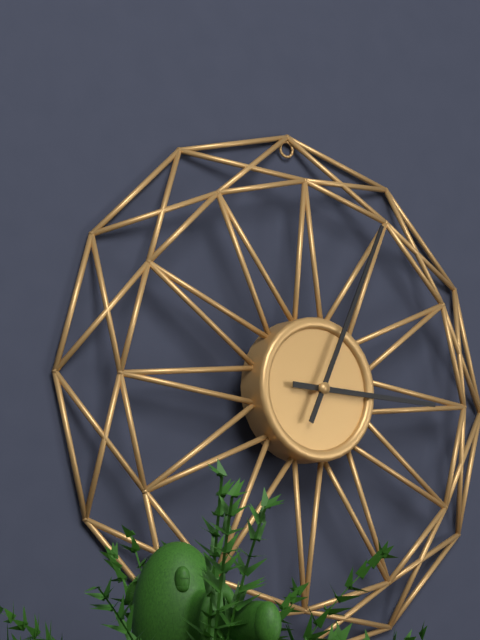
3:04
